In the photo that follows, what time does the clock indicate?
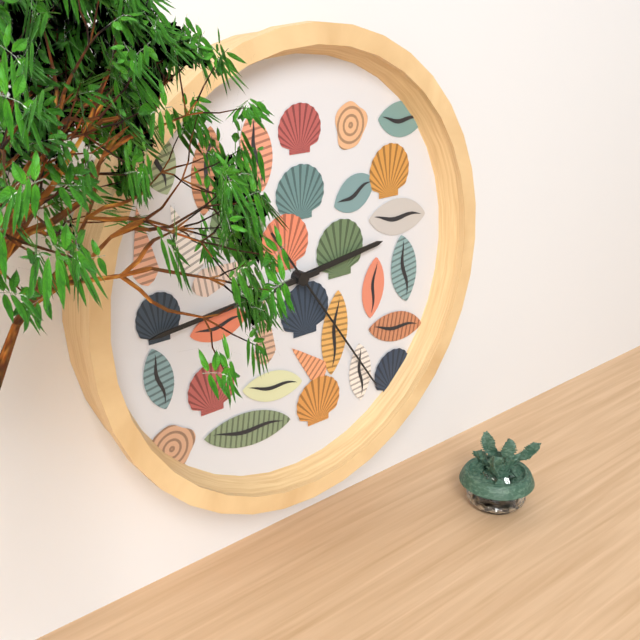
2:44:24
